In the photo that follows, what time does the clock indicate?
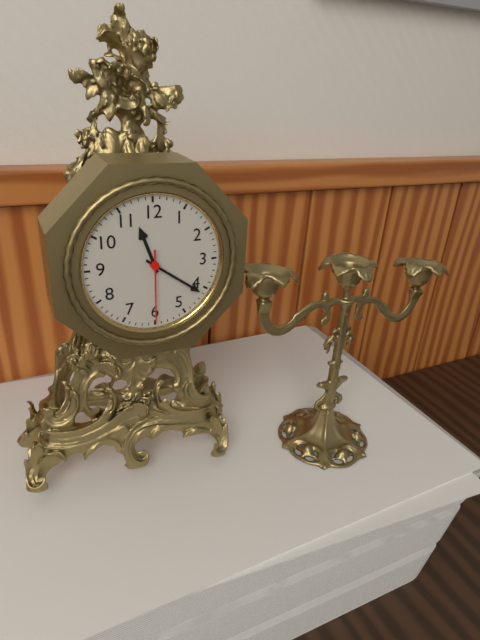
11:21:30
